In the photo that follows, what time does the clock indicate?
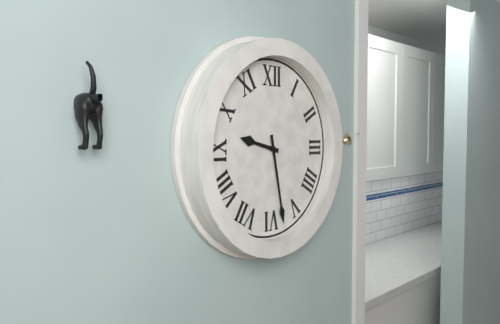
9:28
